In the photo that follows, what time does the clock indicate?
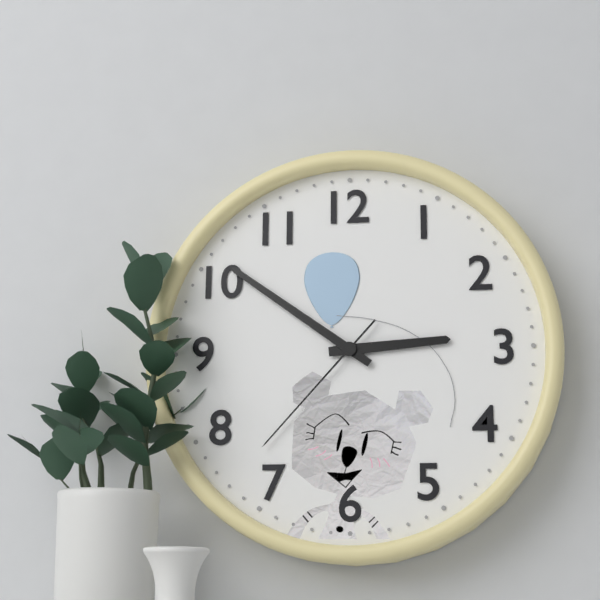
2:51:37
